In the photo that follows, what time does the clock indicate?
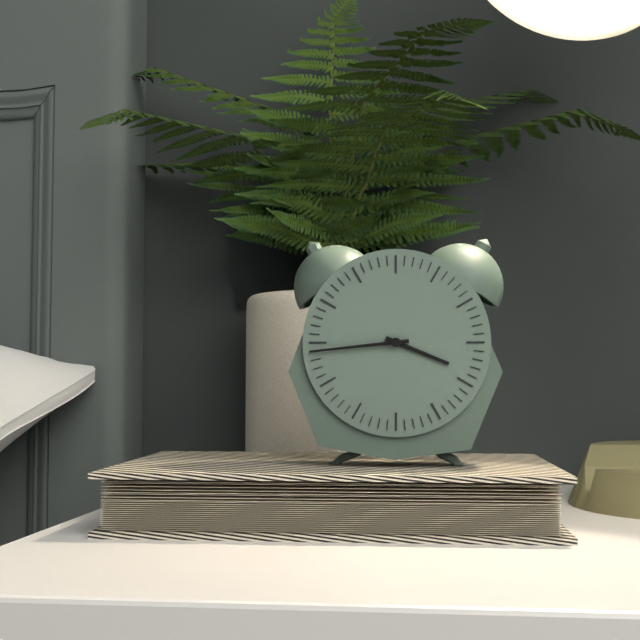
3:44
